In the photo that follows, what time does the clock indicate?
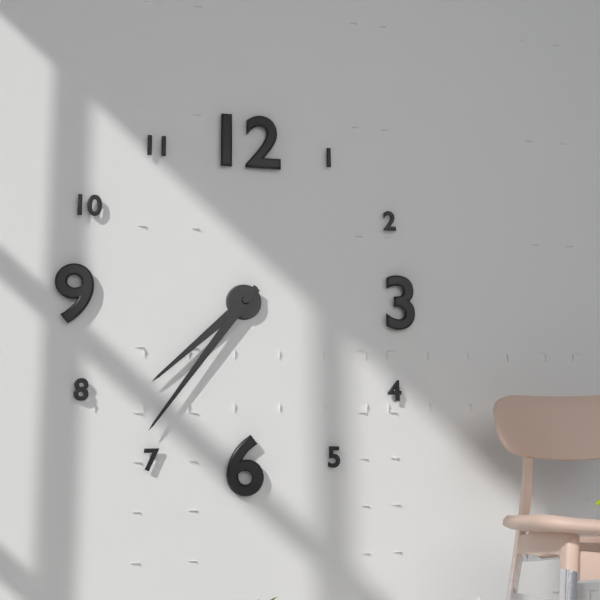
7:36
